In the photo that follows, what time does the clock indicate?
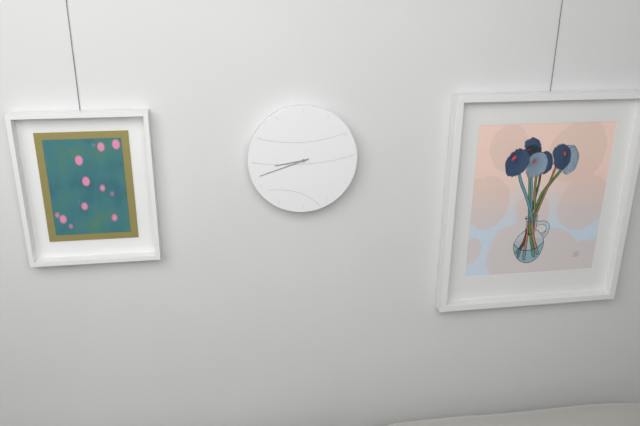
8:42
